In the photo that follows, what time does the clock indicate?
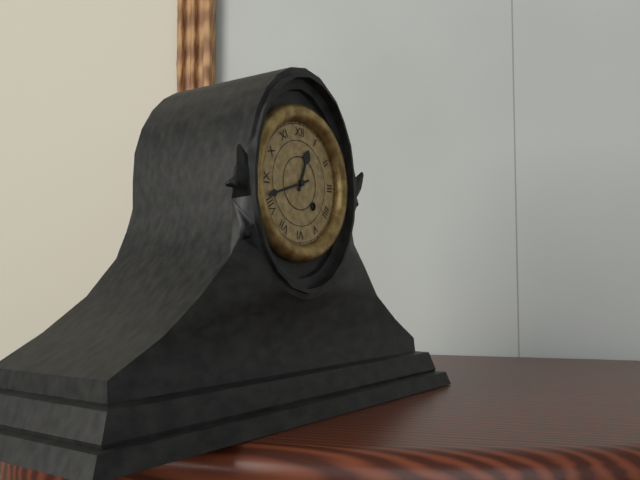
12:42
